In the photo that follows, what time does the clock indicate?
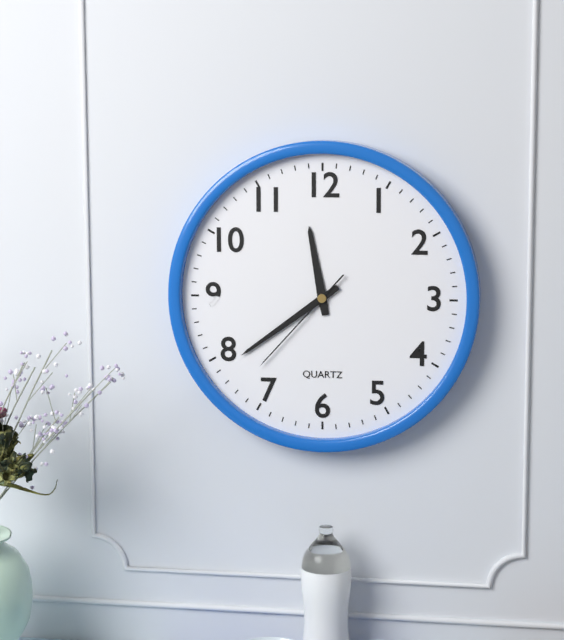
11:39:37
